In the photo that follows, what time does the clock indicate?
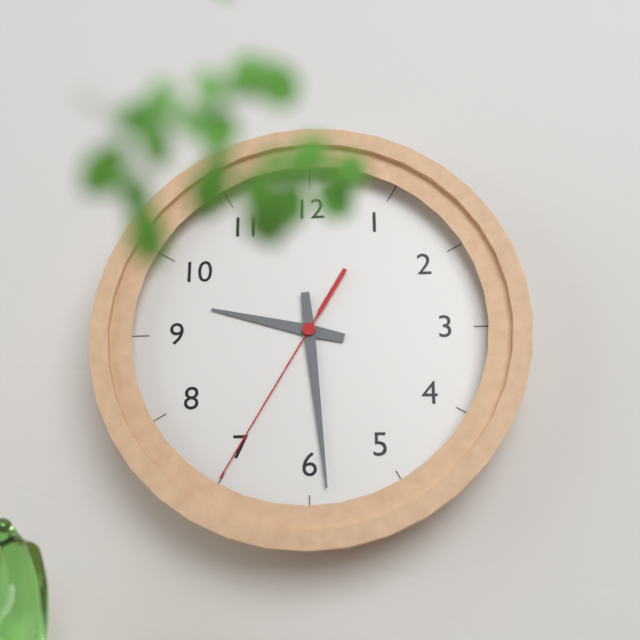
9:29:35
